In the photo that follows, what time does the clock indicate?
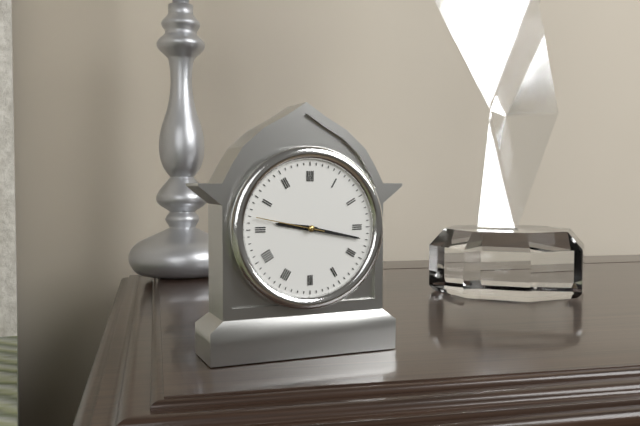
9:17:47
